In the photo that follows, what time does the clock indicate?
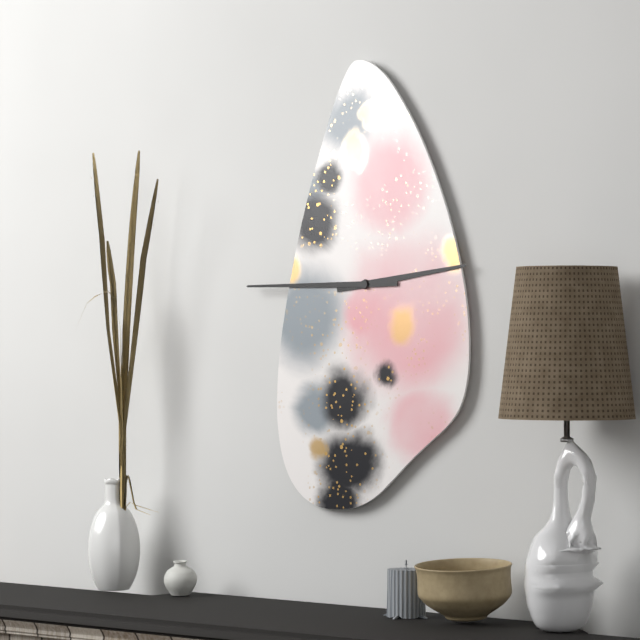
2:45
